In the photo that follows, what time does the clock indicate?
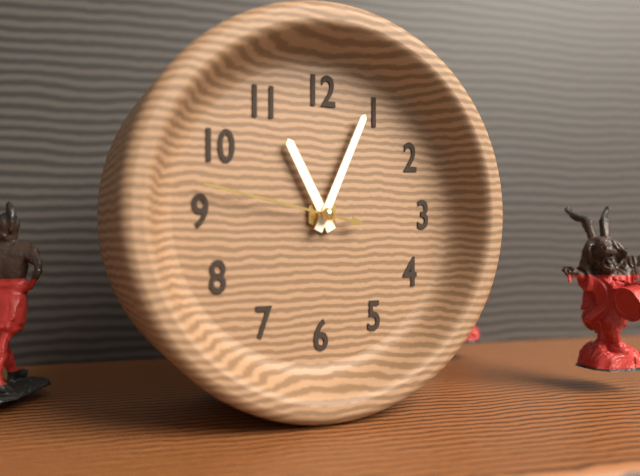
11:04:47
